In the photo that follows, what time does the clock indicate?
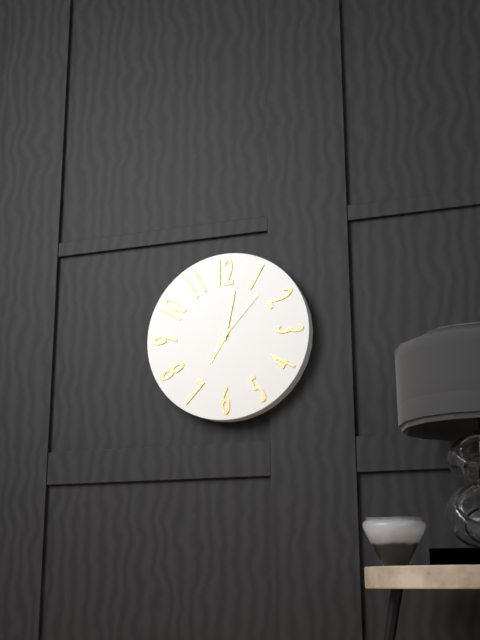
7:02:07
